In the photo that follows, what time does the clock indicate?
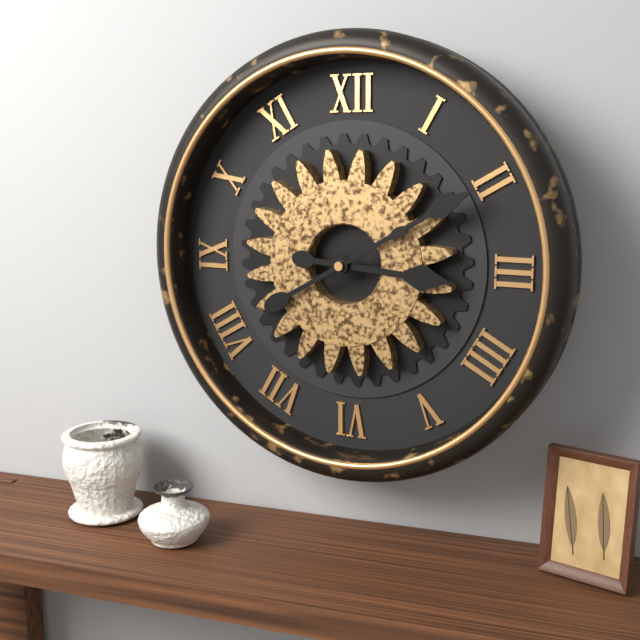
3:10
